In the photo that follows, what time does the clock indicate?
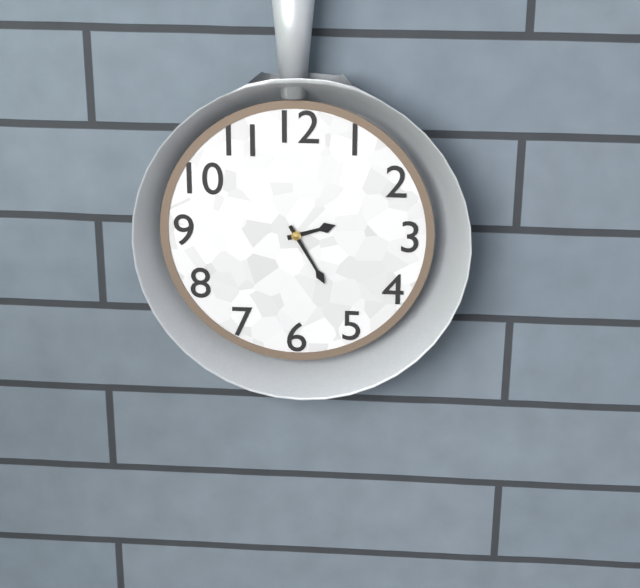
2:25
